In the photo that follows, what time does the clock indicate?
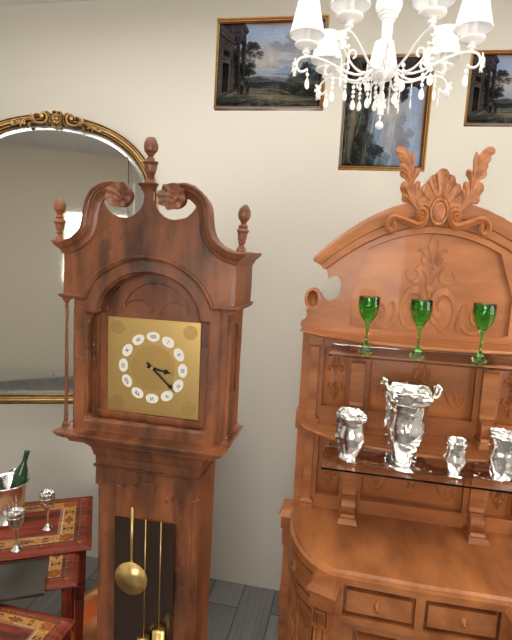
3:22
